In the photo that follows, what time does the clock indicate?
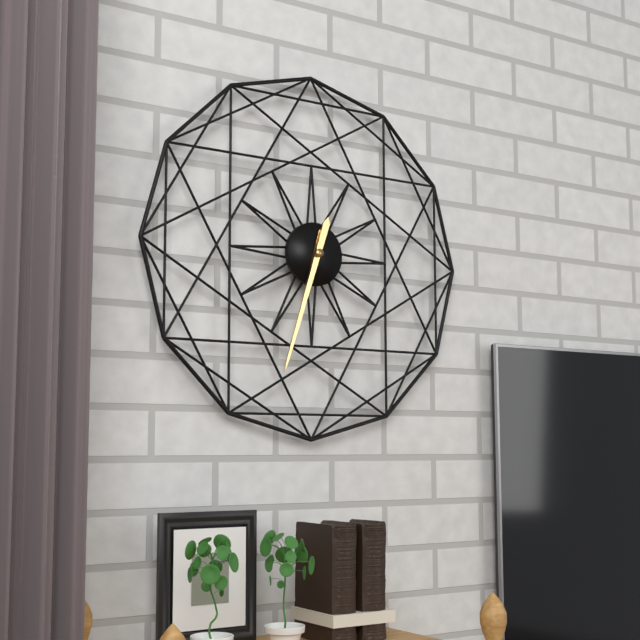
6:33
